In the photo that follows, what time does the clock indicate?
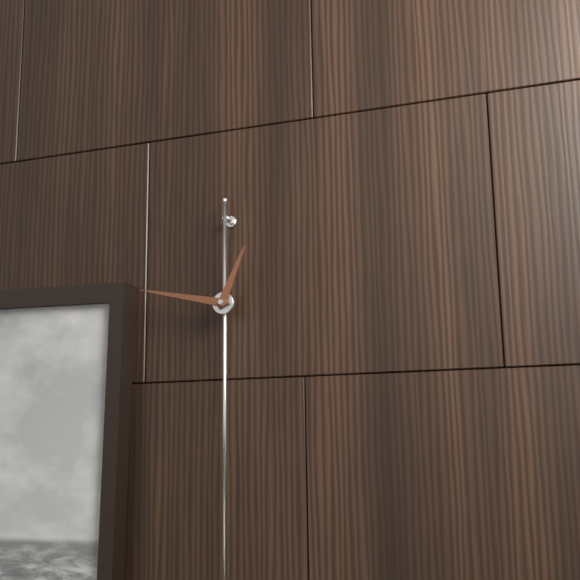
12:47
